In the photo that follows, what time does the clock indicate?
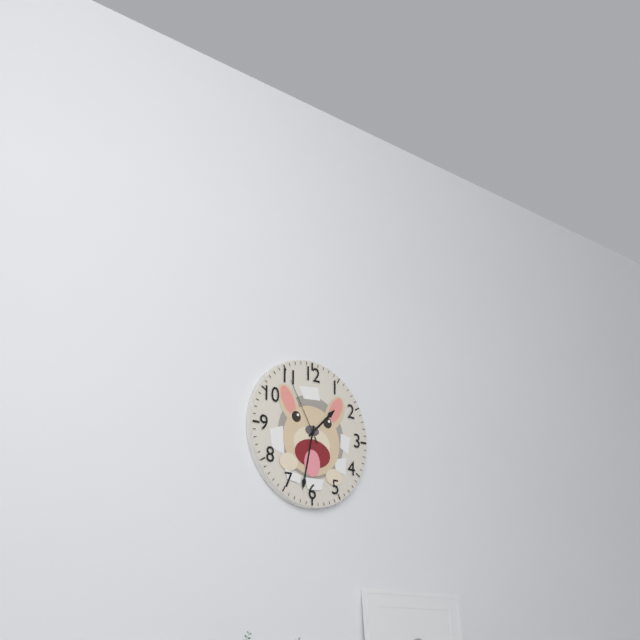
1:32:55
